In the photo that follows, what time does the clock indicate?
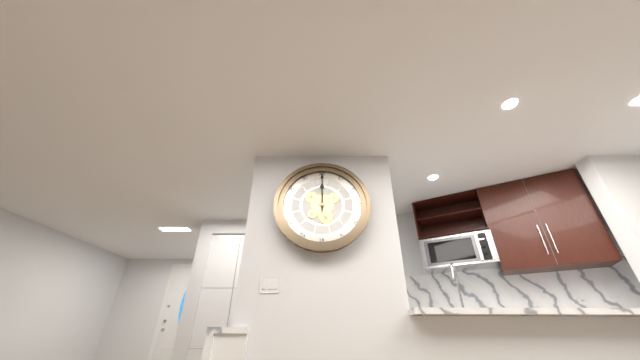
12:00
